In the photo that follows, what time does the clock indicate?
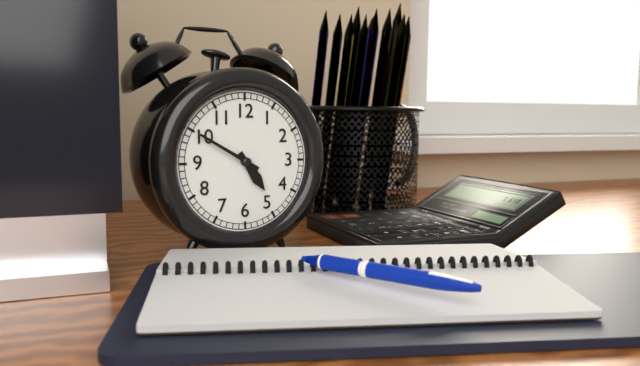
4:50
